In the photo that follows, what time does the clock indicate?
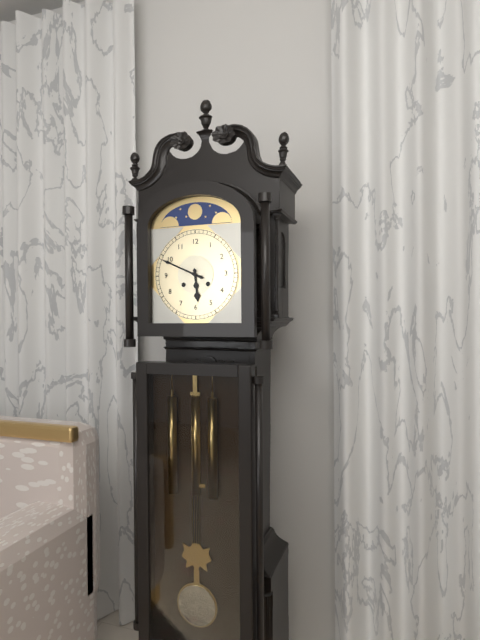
5:49
